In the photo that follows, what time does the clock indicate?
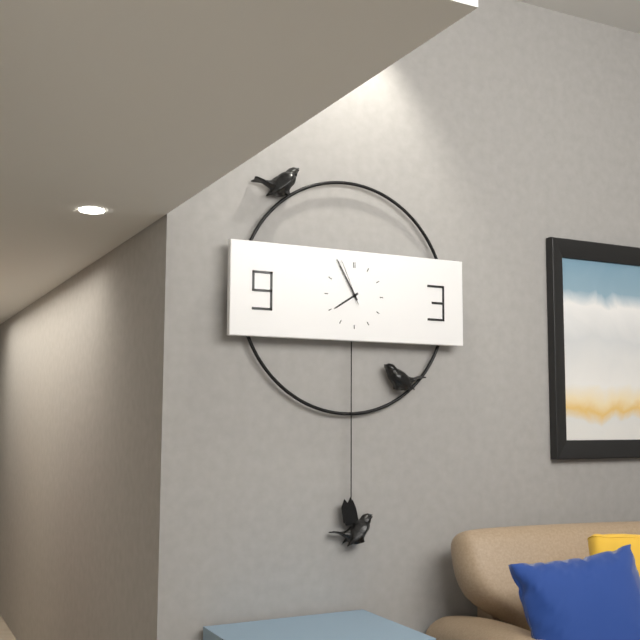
7:55
